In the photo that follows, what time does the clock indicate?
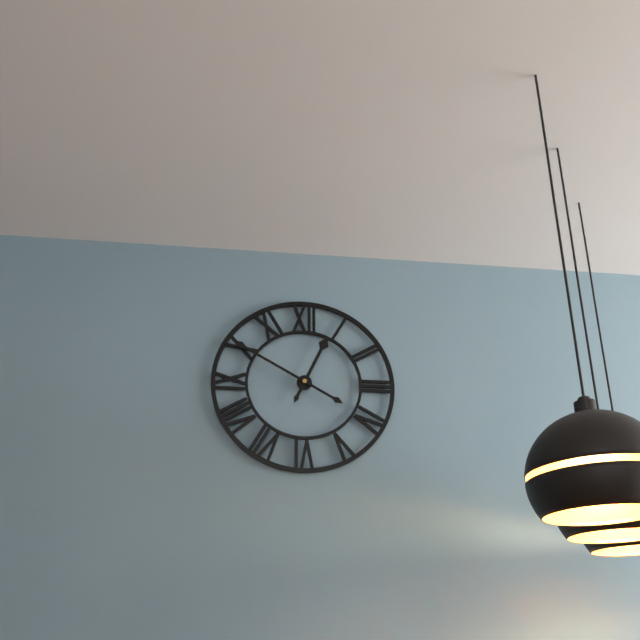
12:50
